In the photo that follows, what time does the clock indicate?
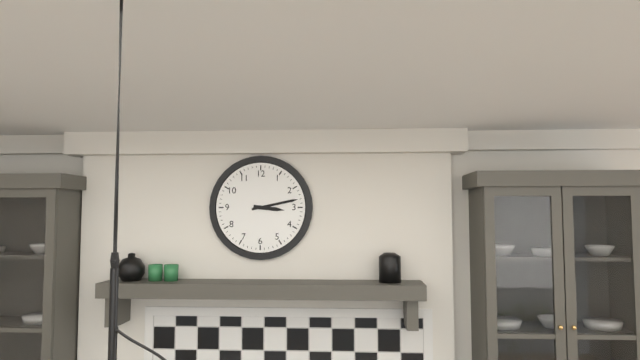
3:13
